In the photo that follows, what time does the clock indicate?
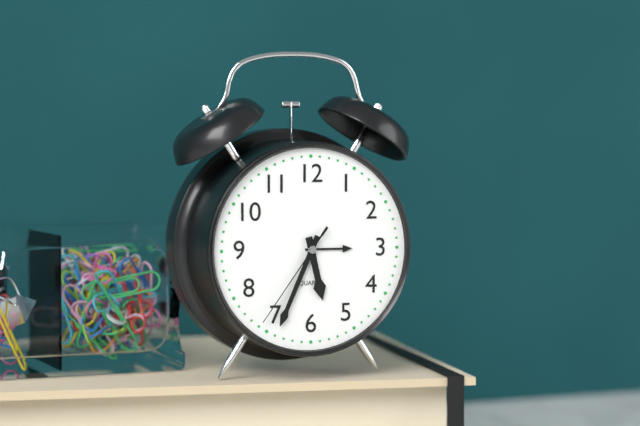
5:34:36
